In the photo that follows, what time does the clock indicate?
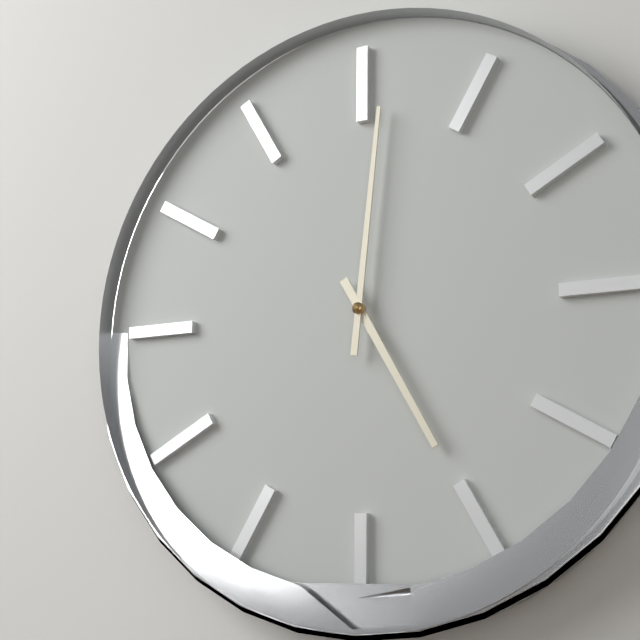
5:01
